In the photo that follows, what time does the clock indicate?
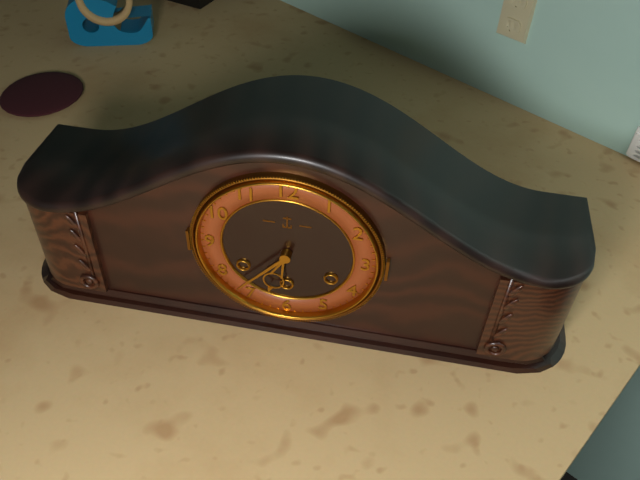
6:37
